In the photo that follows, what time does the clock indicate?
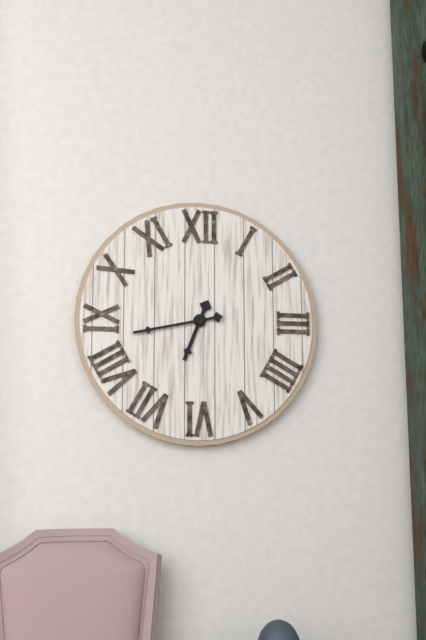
6:43
